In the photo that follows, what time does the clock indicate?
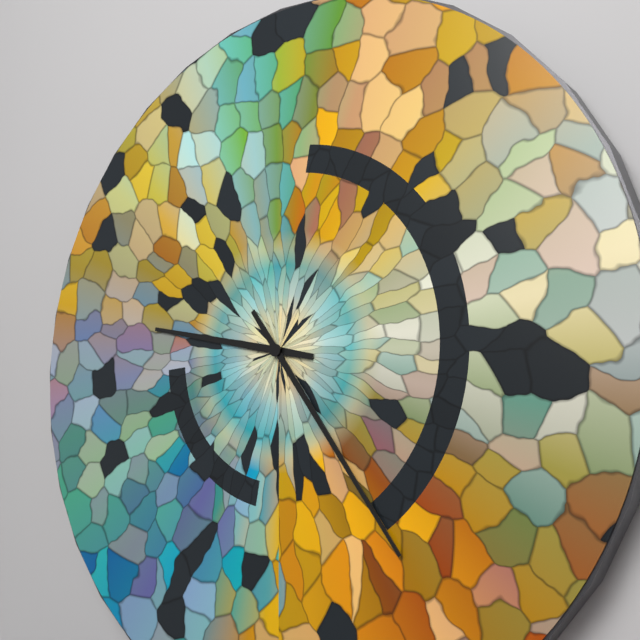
9:24
